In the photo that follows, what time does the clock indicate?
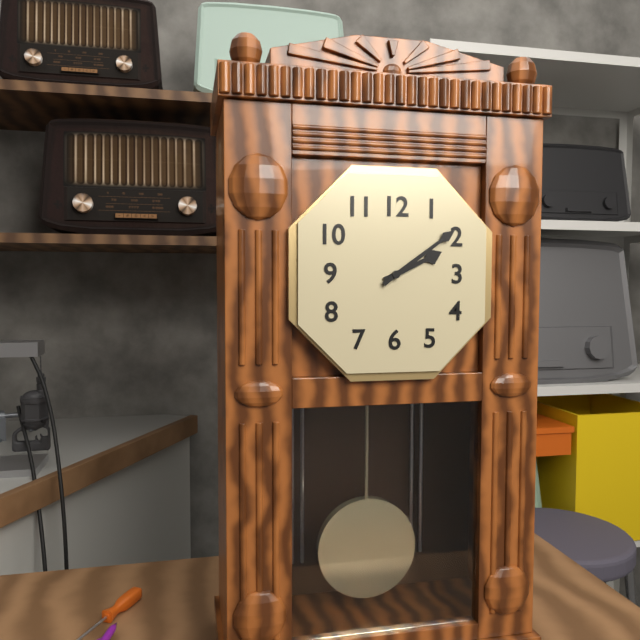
2:09
